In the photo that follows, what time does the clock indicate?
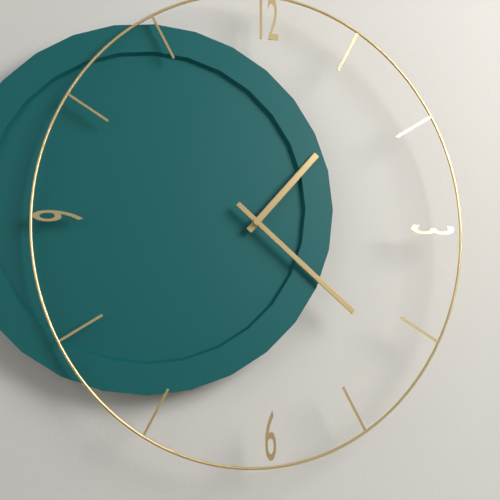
1:22
